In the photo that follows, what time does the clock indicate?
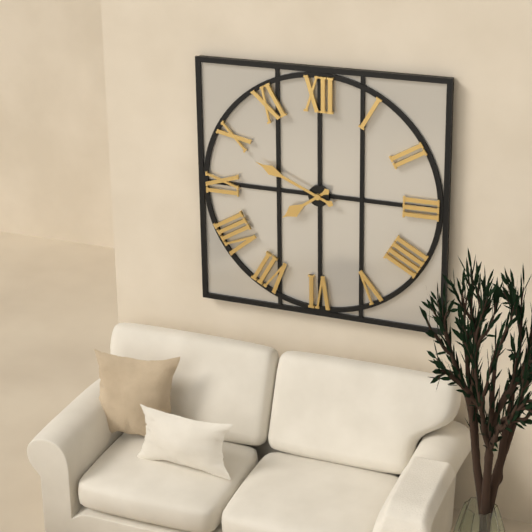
7:49
